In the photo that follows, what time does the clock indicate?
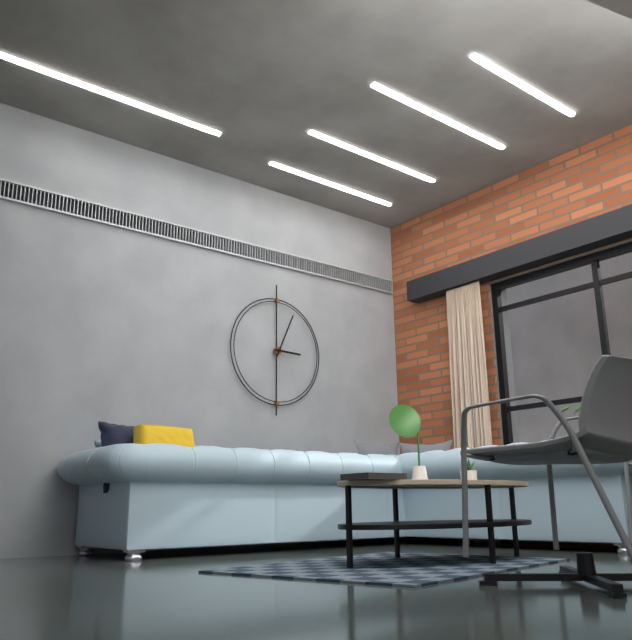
3:04
